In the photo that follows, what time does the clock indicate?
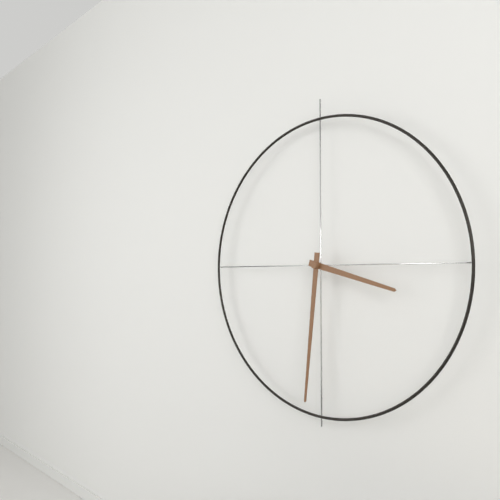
3:31
